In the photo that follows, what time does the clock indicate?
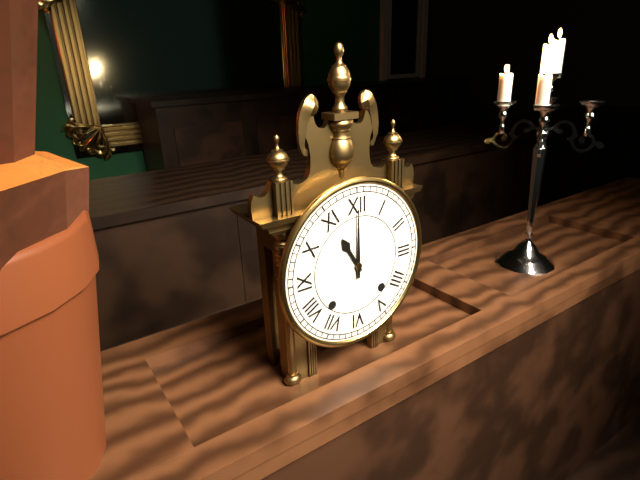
11:00
